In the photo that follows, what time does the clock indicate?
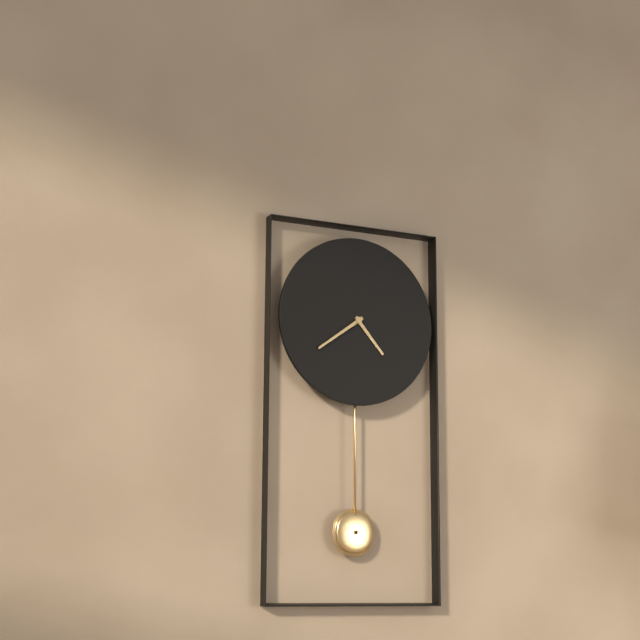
4:39
